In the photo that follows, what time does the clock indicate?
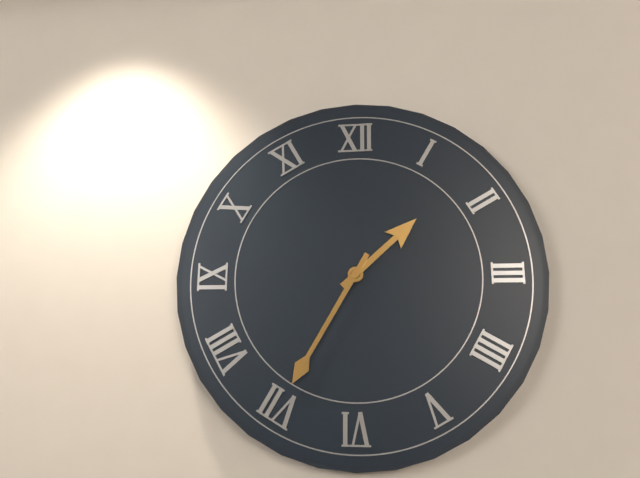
1:35
